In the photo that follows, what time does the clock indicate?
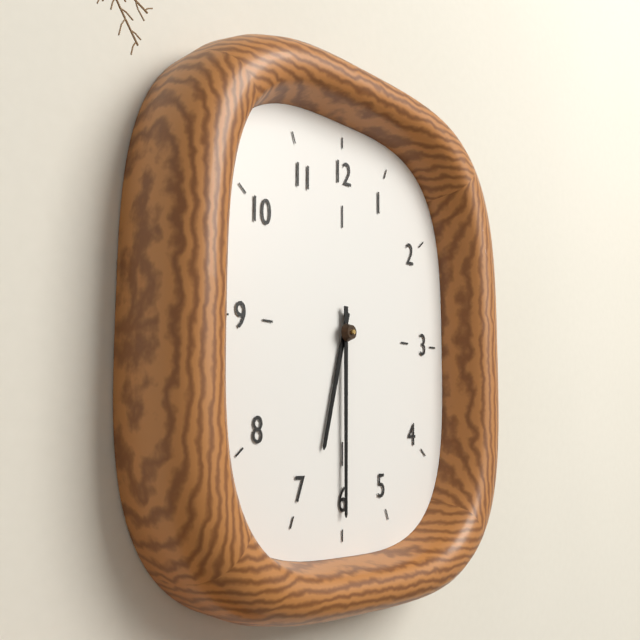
6:30
